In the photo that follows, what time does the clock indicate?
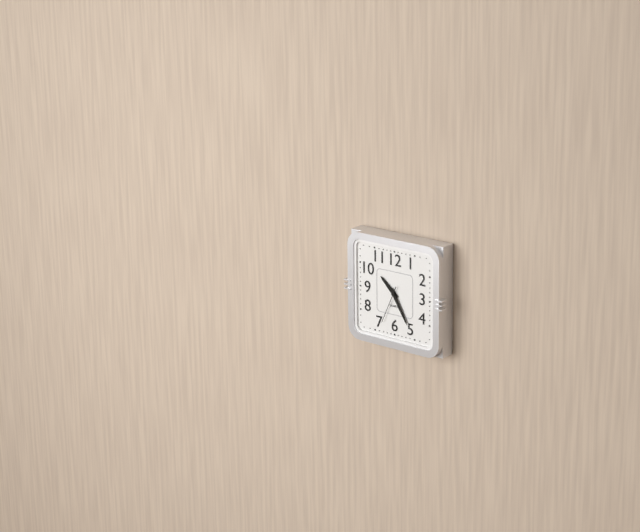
10:25:34
